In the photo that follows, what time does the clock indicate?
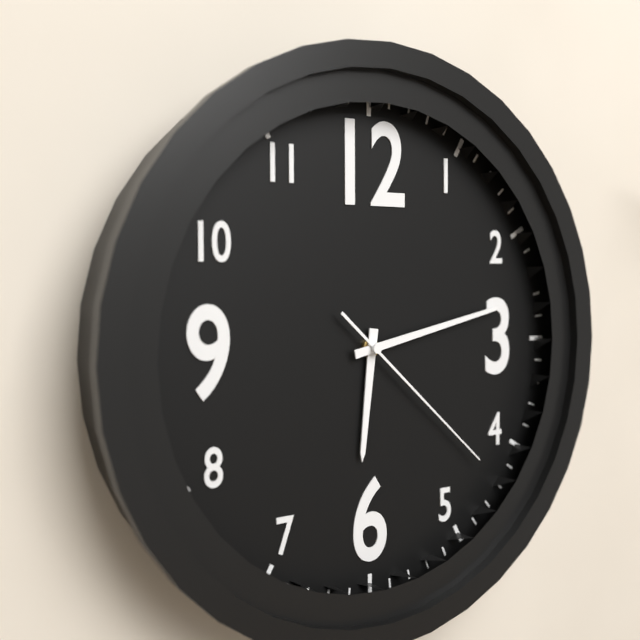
6:13:22
